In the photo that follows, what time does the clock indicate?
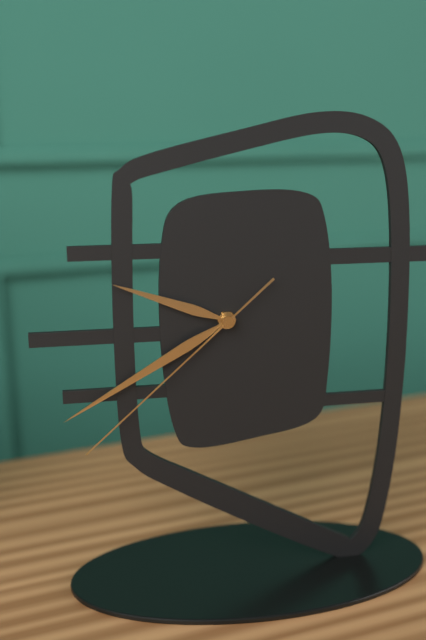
9:40:38
